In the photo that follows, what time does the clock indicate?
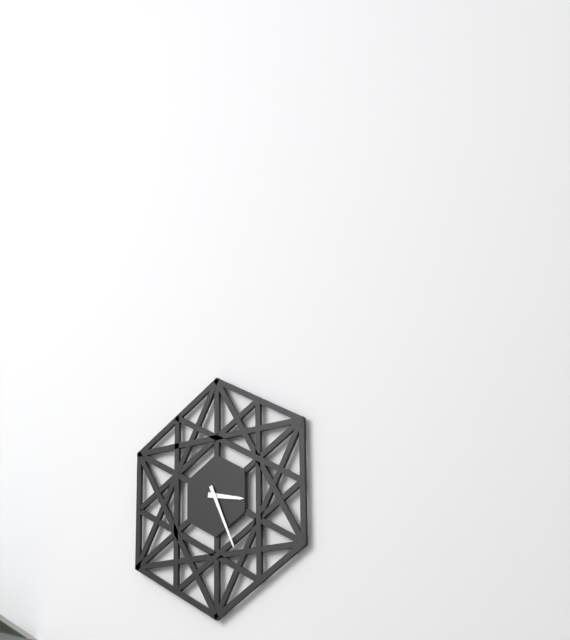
3:26
